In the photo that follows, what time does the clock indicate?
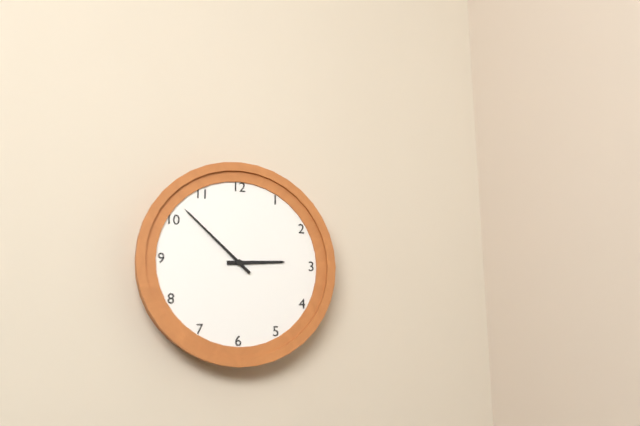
2:52
